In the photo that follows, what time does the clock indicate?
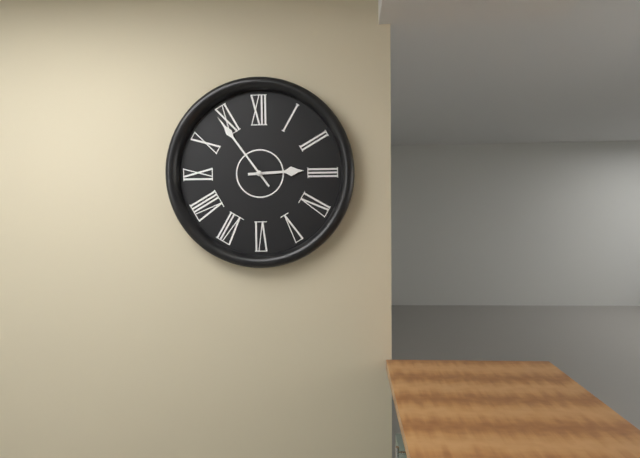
2:54
